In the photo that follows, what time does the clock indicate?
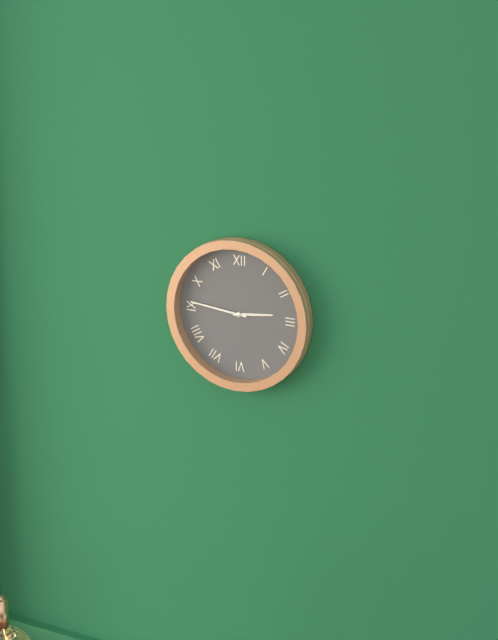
2:46
